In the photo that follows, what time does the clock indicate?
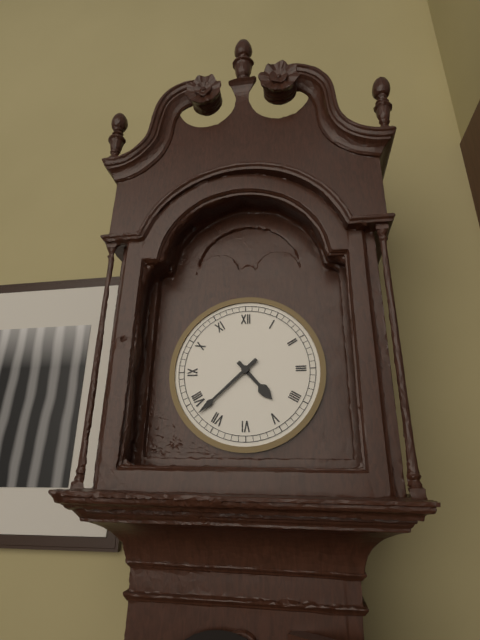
4:38
